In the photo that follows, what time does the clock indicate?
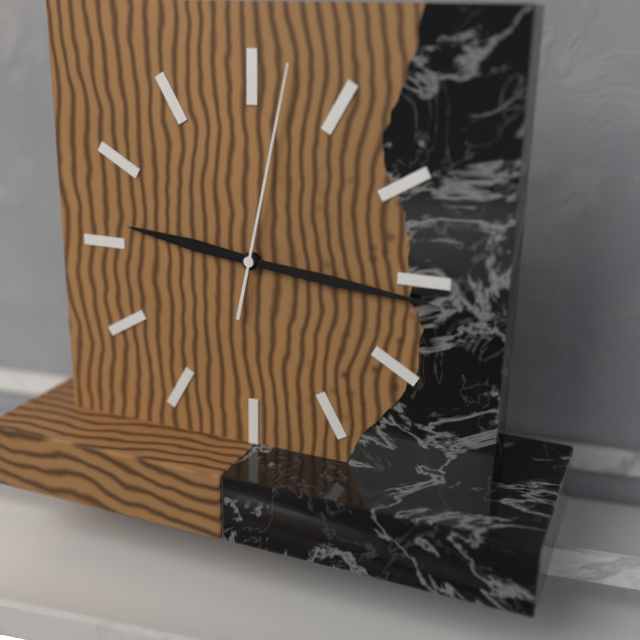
9:16:02
